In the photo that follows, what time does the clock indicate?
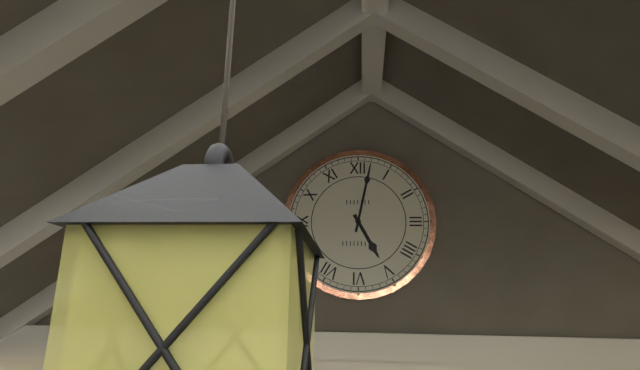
5:02
